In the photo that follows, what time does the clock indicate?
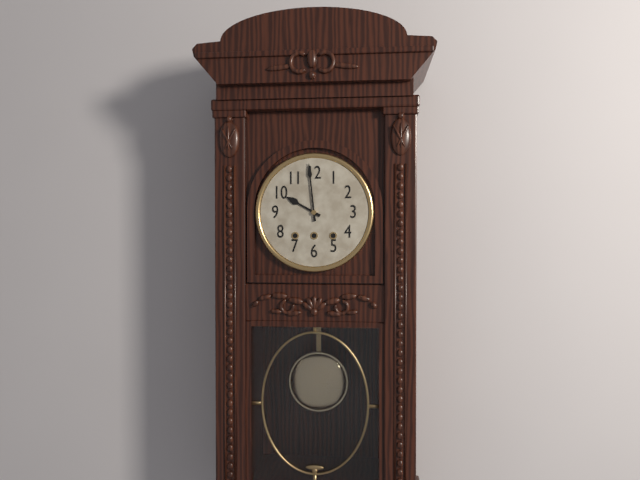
9:59
